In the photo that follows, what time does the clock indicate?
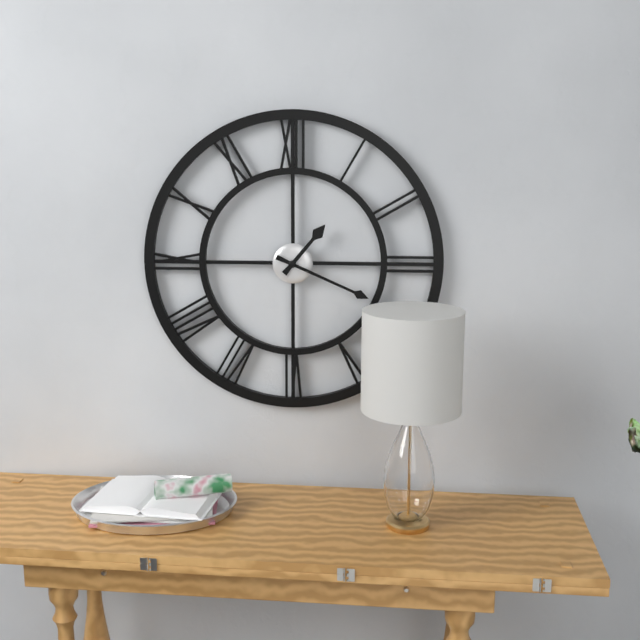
1:19
